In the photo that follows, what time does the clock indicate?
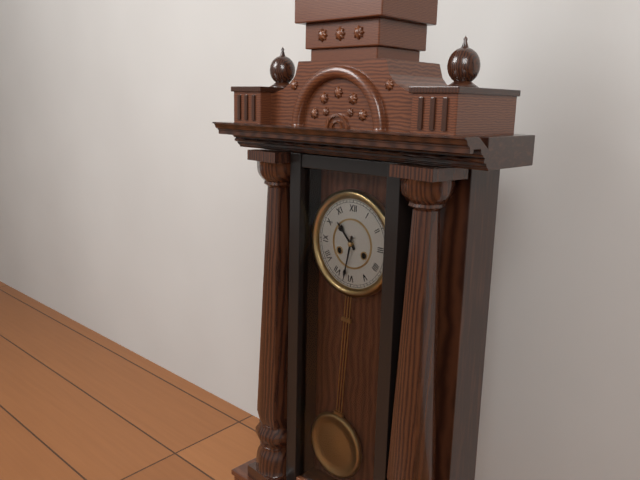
10:32
